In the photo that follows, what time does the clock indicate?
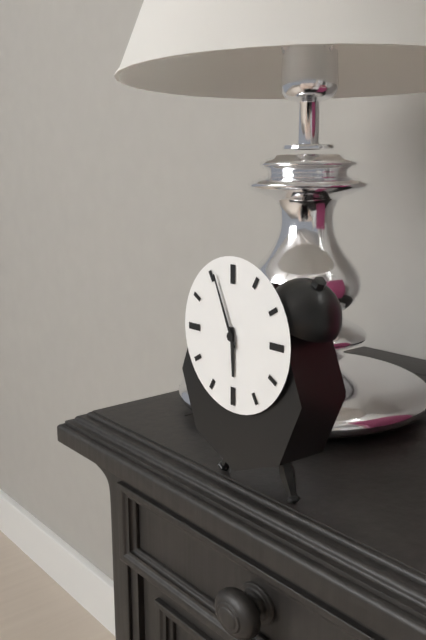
5:56
